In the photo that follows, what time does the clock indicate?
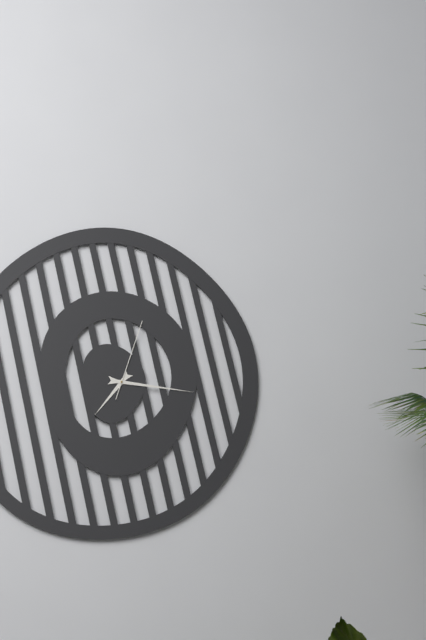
7:16:03
